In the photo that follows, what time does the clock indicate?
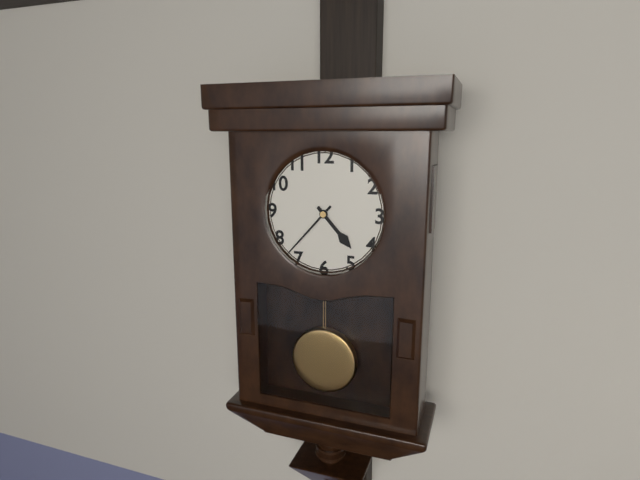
4:37
